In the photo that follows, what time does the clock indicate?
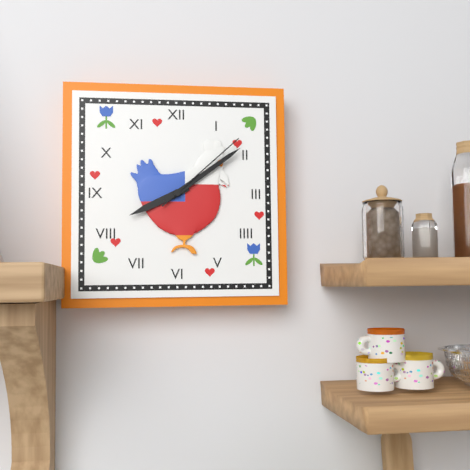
8:09:08
